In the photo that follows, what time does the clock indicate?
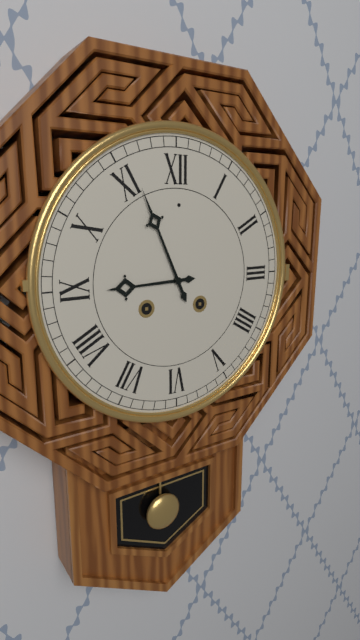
8:56
